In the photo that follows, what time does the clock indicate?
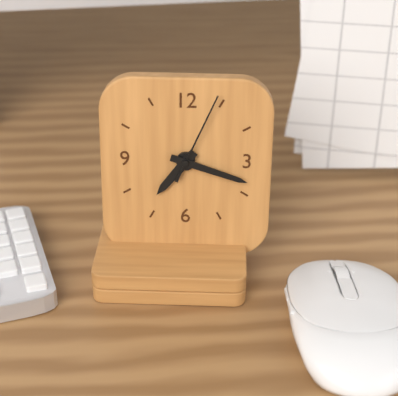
7:18:04
